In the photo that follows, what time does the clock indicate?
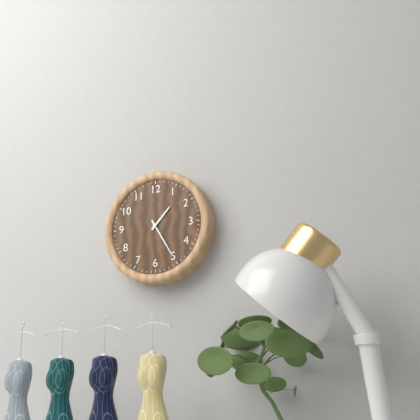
1:25
